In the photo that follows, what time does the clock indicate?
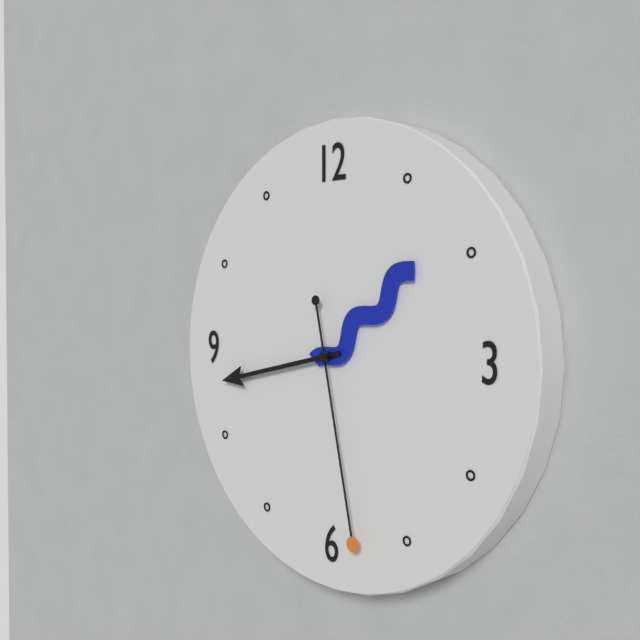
1:43:28
